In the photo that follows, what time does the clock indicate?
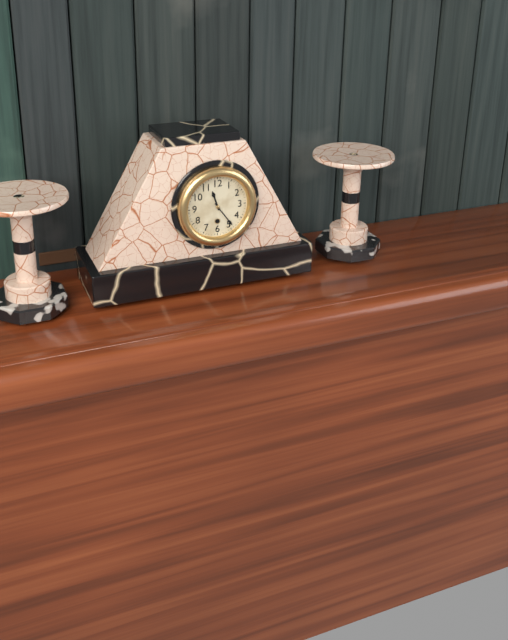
11:24
